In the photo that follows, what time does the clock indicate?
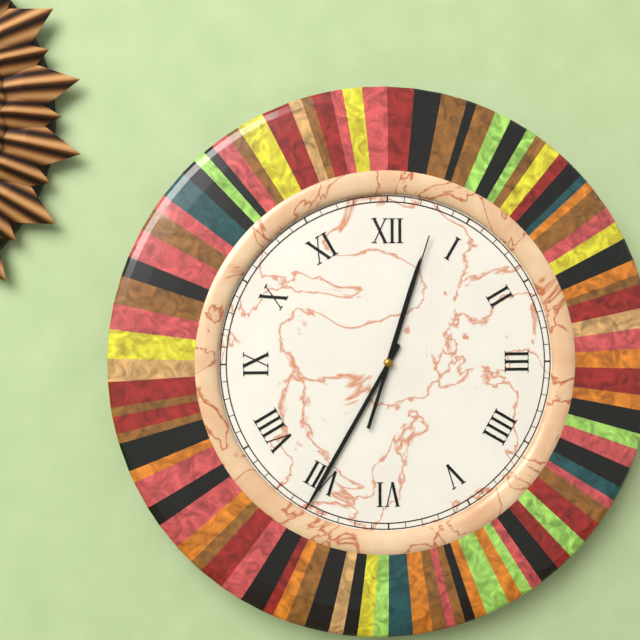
12:35:03
